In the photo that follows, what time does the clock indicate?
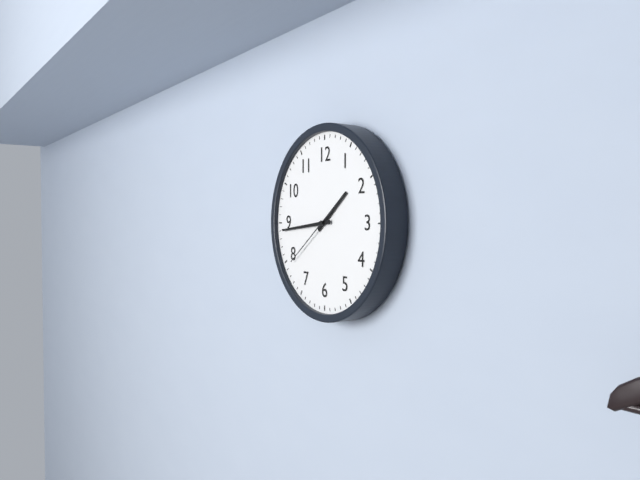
1:44:39
